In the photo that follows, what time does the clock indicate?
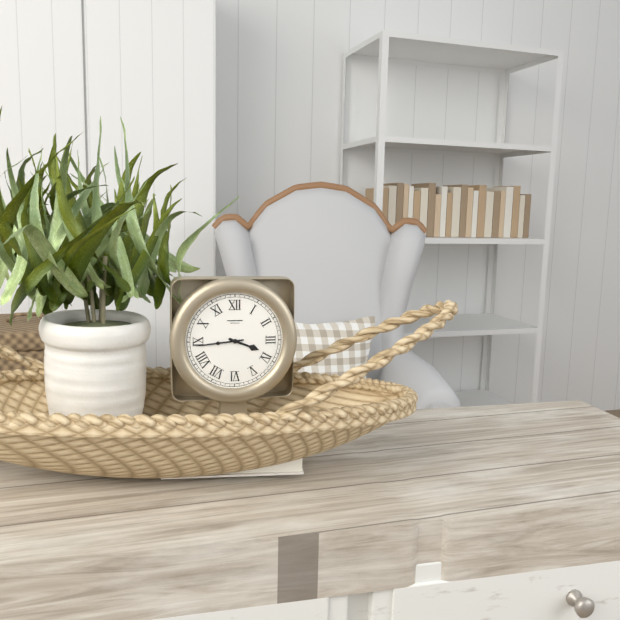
3:44
